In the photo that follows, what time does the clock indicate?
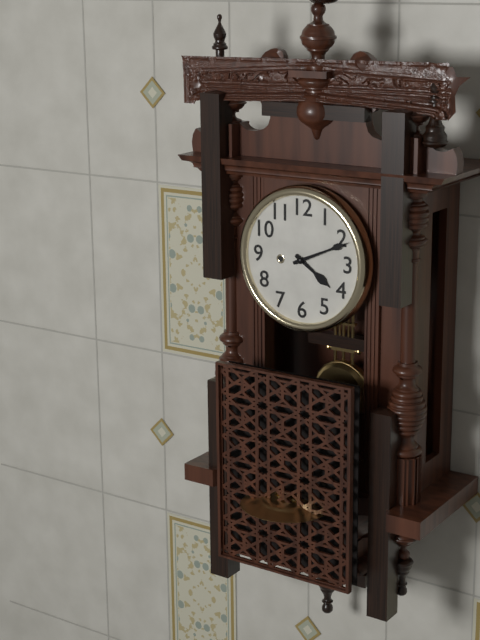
4:11
